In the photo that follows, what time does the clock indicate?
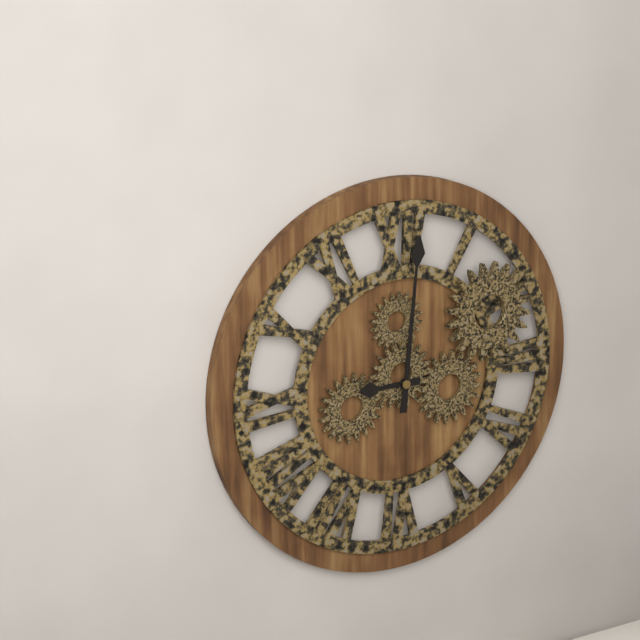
9:01
